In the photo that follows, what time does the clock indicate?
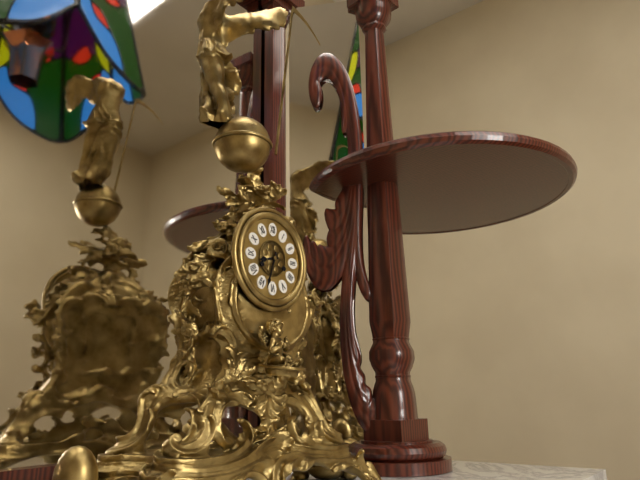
8:33
